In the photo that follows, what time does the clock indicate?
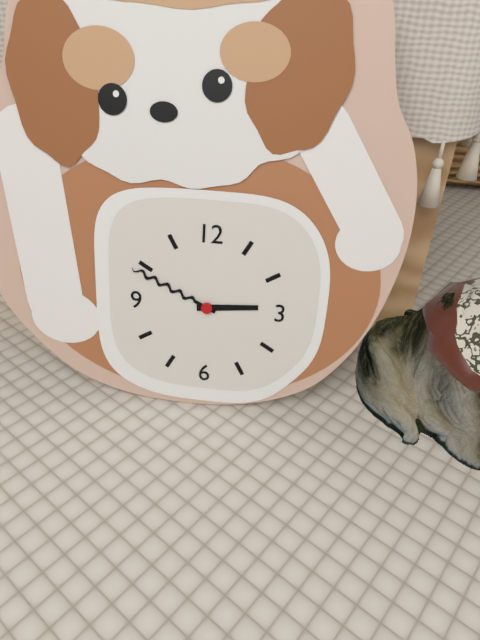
2:49
